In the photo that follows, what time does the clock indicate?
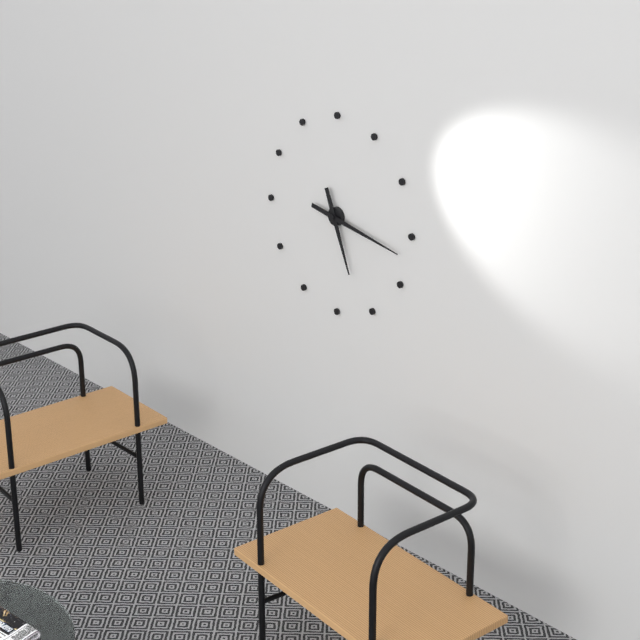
5:17
